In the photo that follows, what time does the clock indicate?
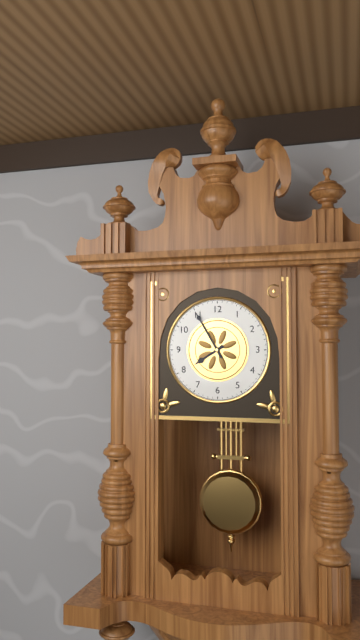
7:55
